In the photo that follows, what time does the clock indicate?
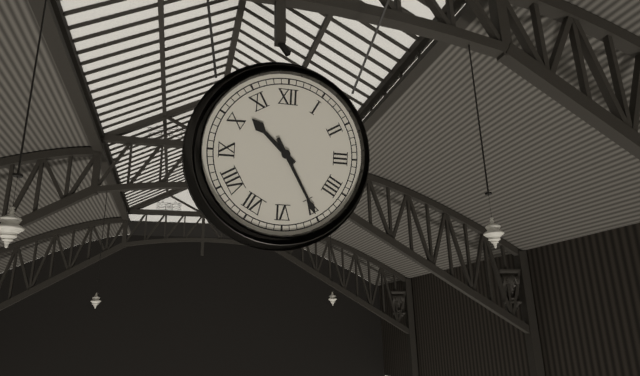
10:25
